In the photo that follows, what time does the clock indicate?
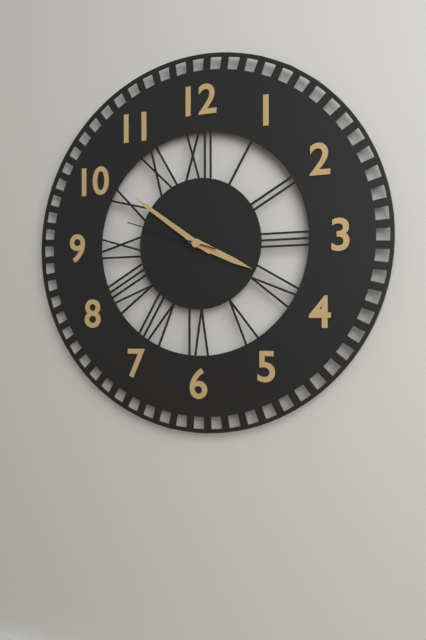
3:51:48
